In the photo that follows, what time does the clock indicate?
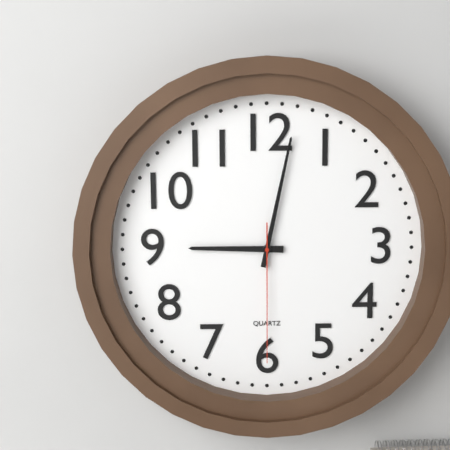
9:02:30
